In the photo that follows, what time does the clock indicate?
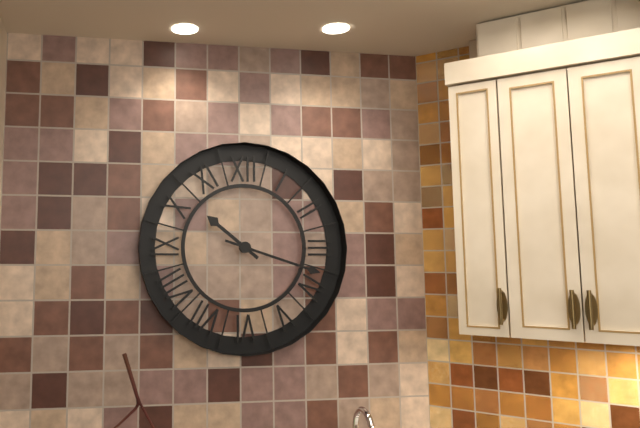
10:18
